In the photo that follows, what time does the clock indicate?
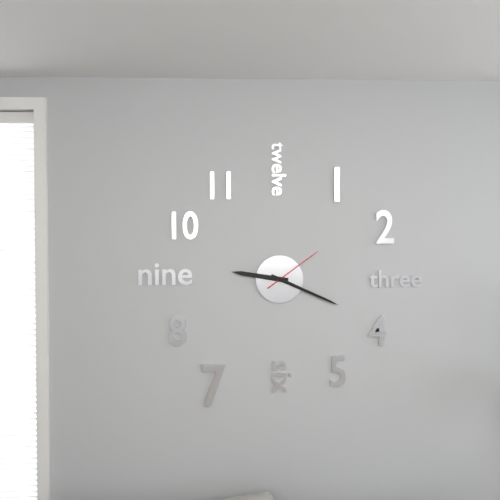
9:19:09
